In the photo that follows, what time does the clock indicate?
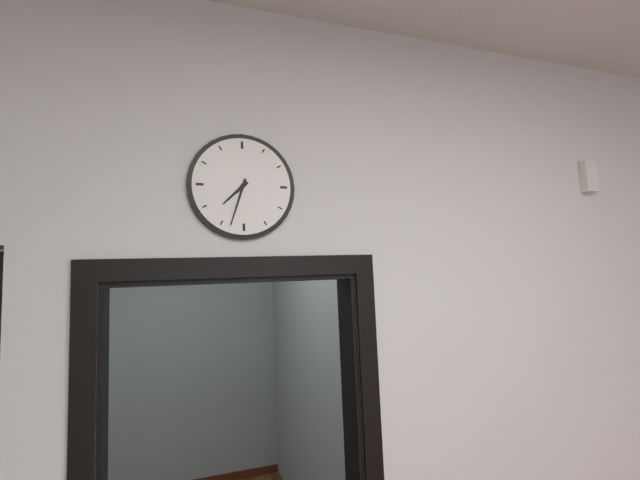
7:33
